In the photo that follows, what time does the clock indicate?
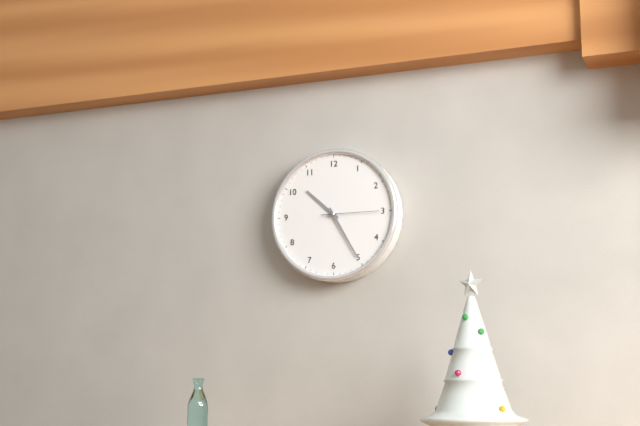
10:25:15
